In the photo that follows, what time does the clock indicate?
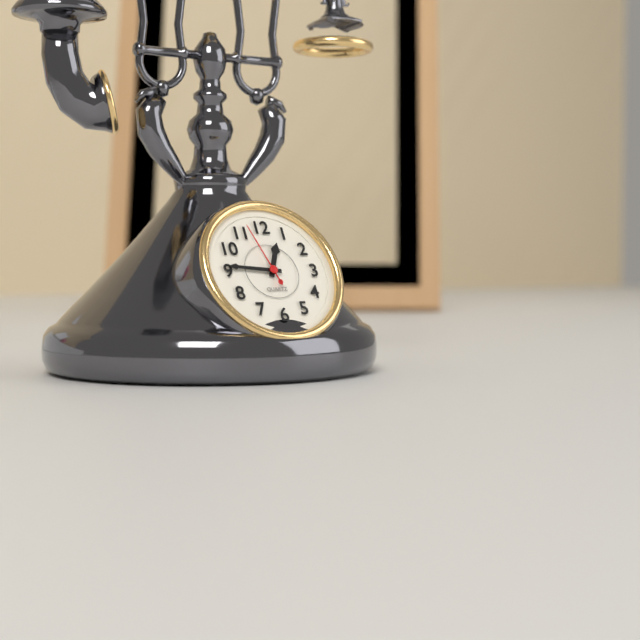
12:46:57
